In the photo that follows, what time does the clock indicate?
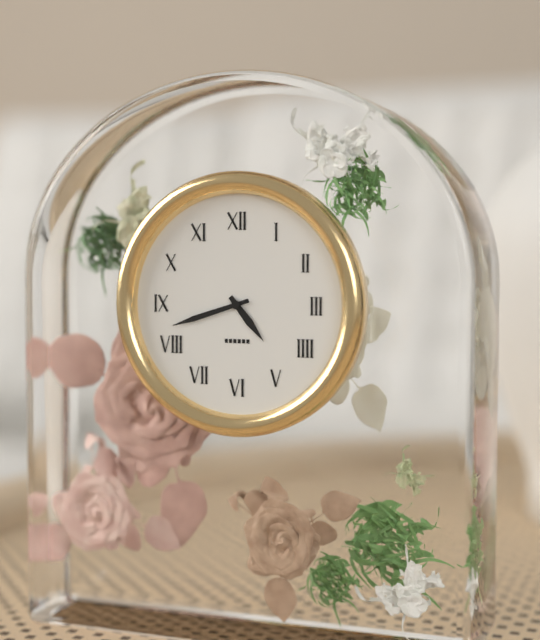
4:42
